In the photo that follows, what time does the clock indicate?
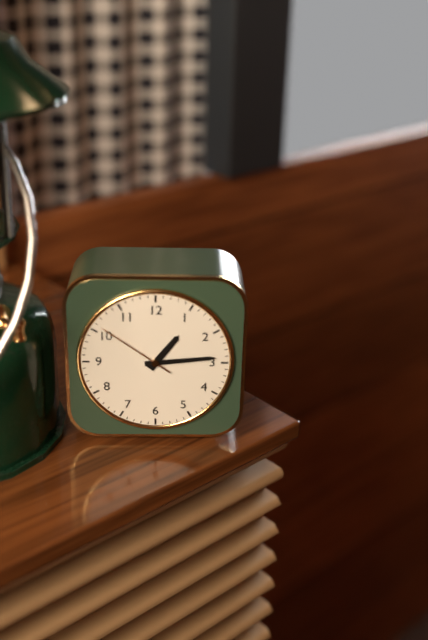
1:14:51
